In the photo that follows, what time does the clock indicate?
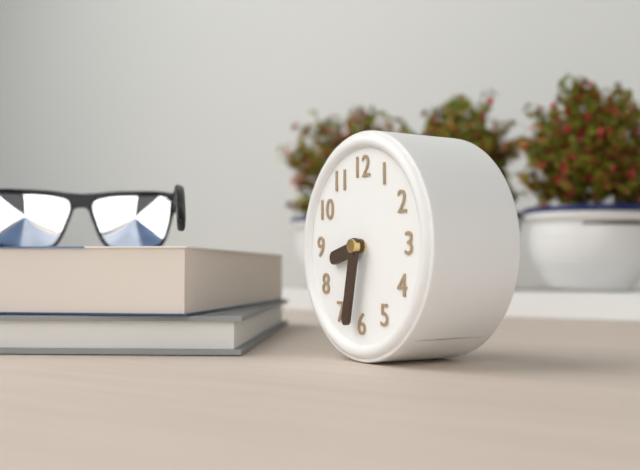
8:32
